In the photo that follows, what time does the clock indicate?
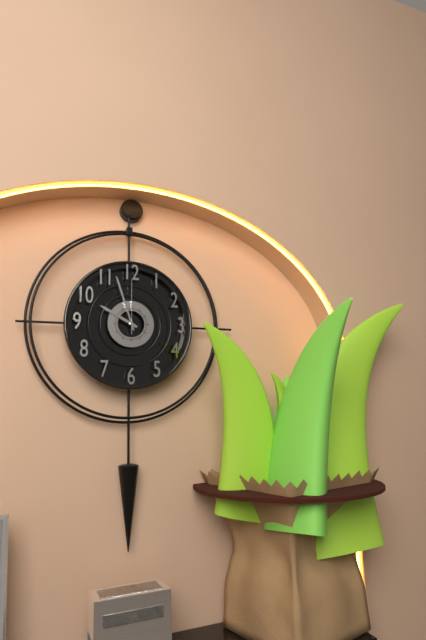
9:57:00
